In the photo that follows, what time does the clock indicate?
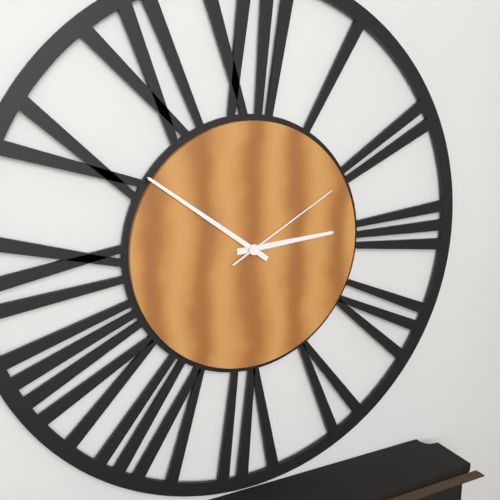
2:51:10
